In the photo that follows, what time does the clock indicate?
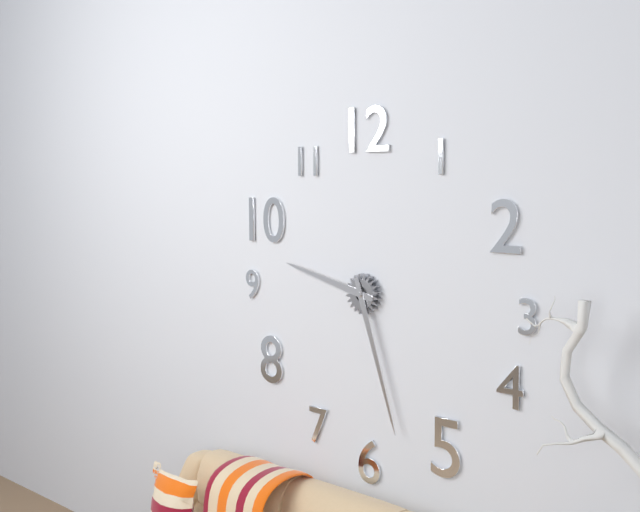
9:27
